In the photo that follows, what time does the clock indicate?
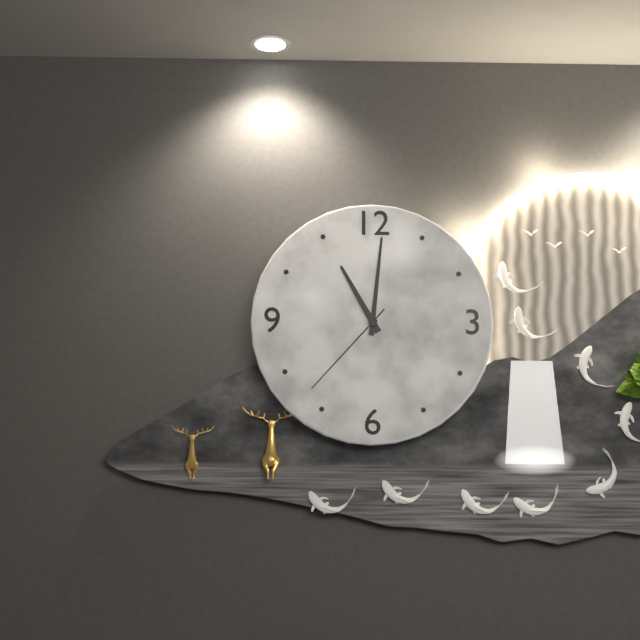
11:01:37
